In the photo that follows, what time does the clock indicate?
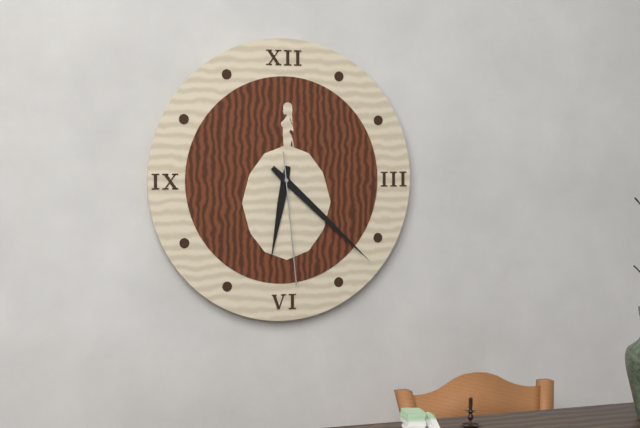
6:22:29
